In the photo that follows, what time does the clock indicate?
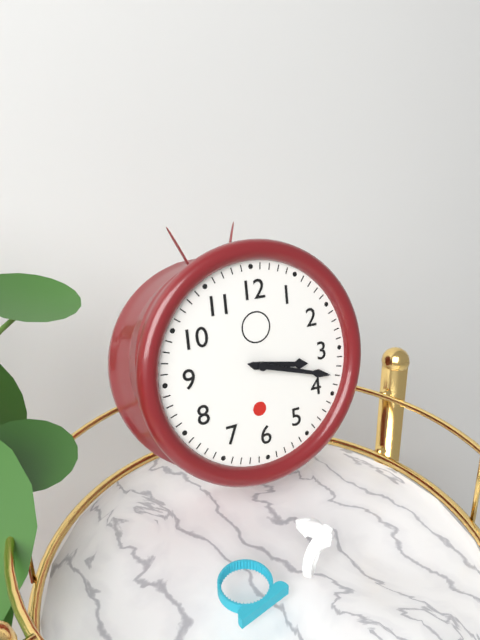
3:18
